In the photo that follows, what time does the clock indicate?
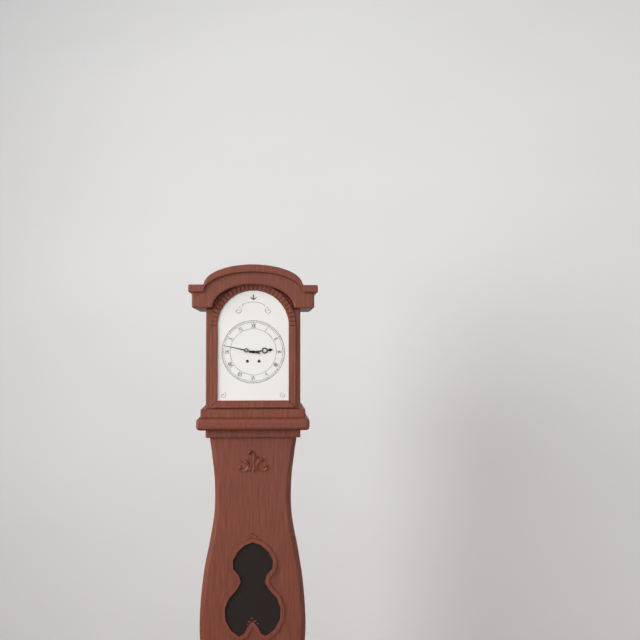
2:47
